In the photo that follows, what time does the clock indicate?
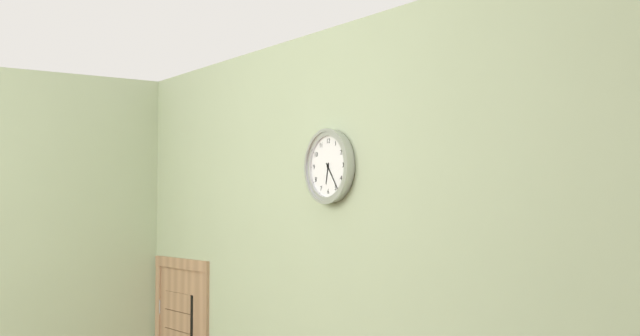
6:24
